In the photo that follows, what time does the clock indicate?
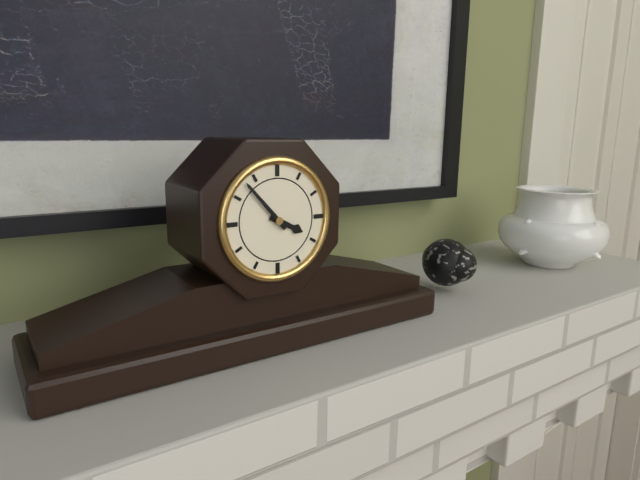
3:53
